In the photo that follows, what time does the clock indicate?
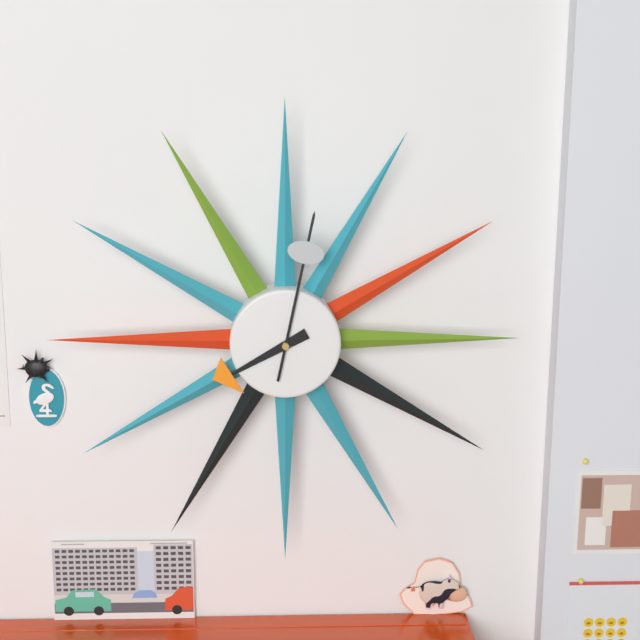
8:02
